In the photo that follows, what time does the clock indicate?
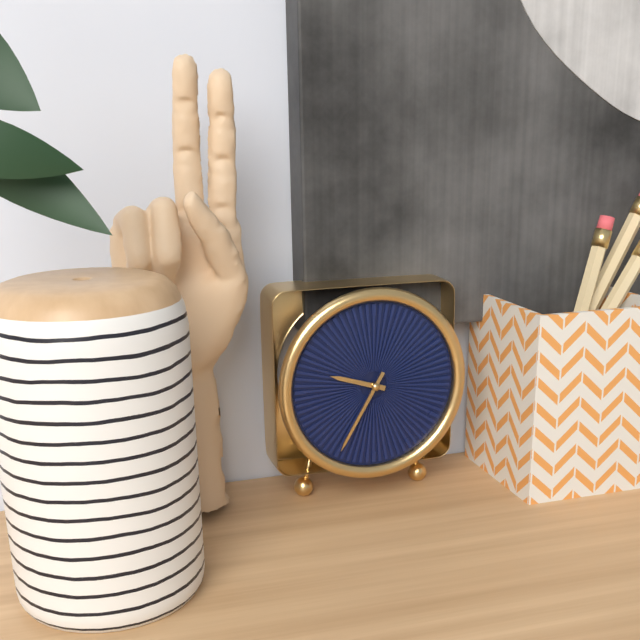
9:35
